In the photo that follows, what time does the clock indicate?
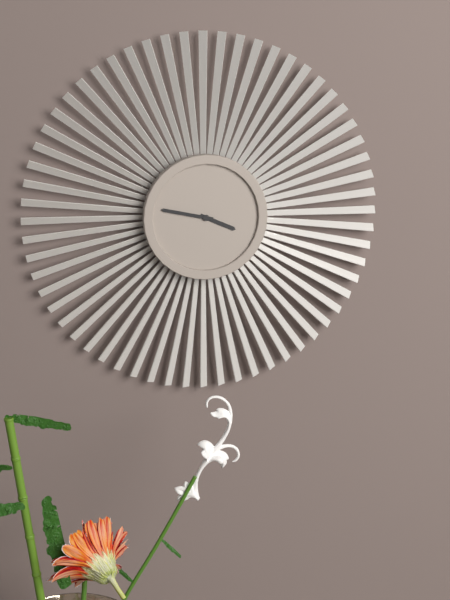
3:47
